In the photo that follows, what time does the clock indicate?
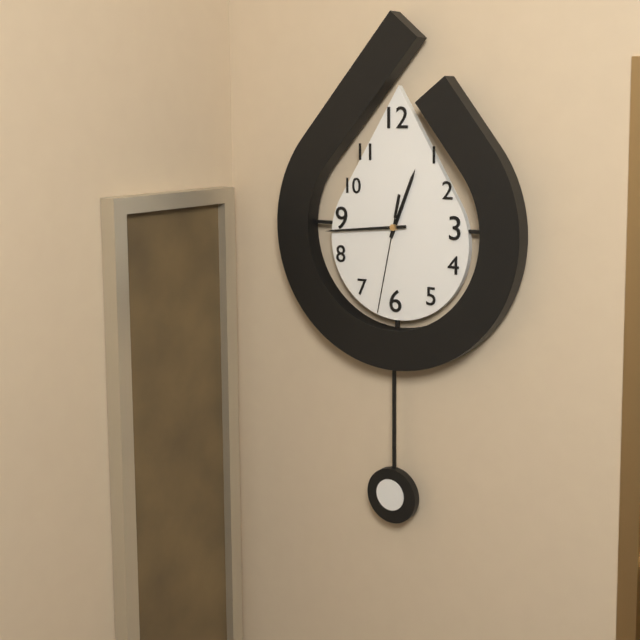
12:44:32
